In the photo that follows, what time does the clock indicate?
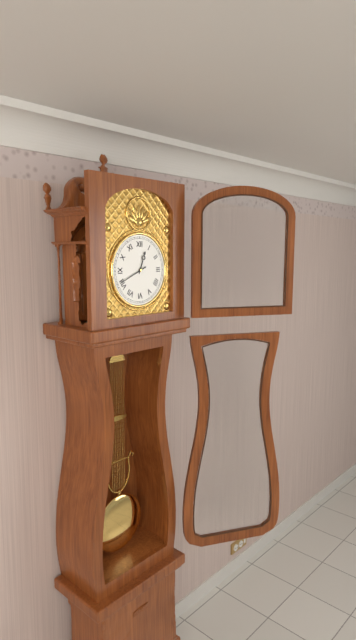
12:41
